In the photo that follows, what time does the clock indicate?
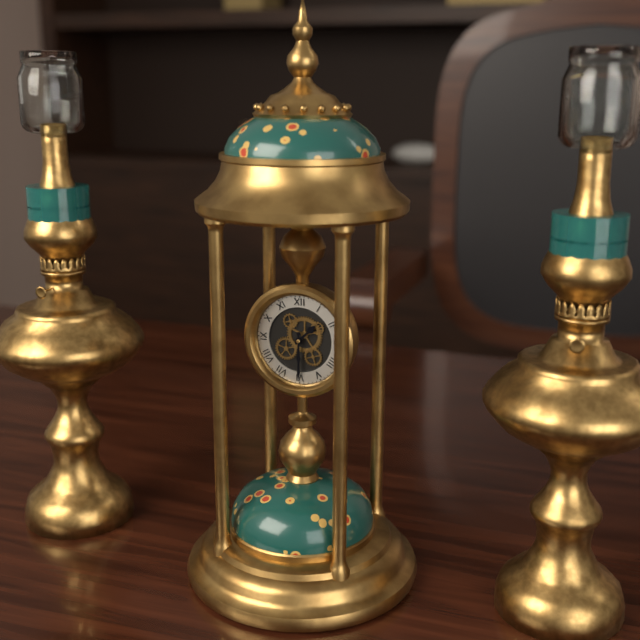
1:30
